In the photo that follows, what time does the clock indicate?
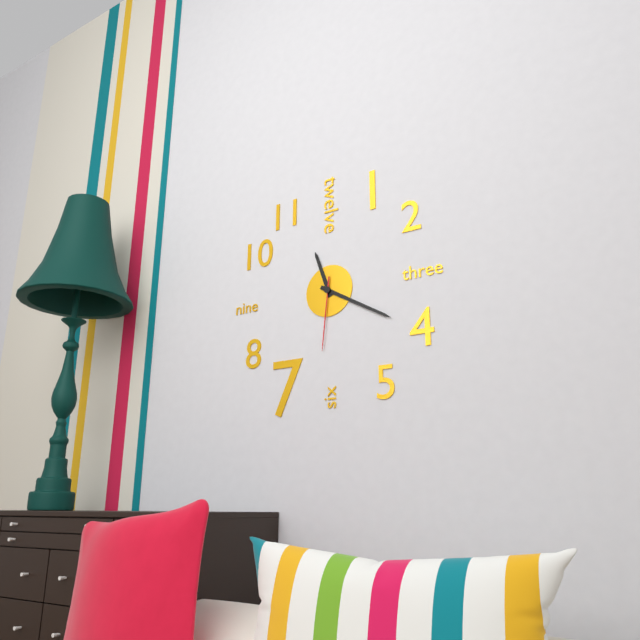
11:20:31
